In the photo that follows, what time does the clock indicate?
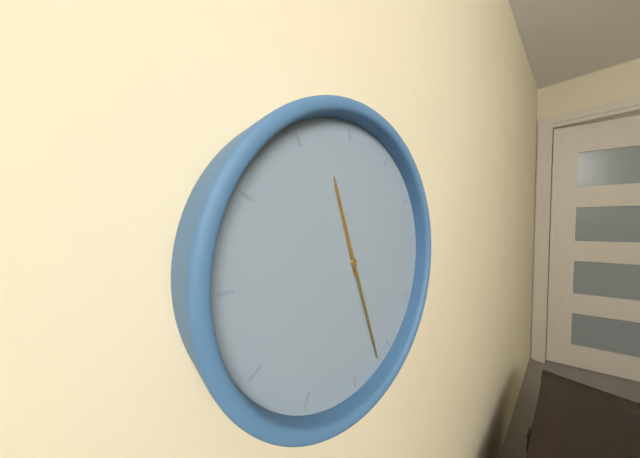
11:27
